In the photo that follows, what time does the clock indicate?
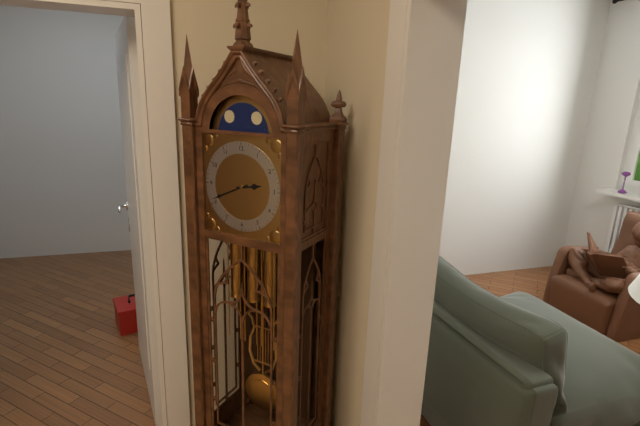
2:41
